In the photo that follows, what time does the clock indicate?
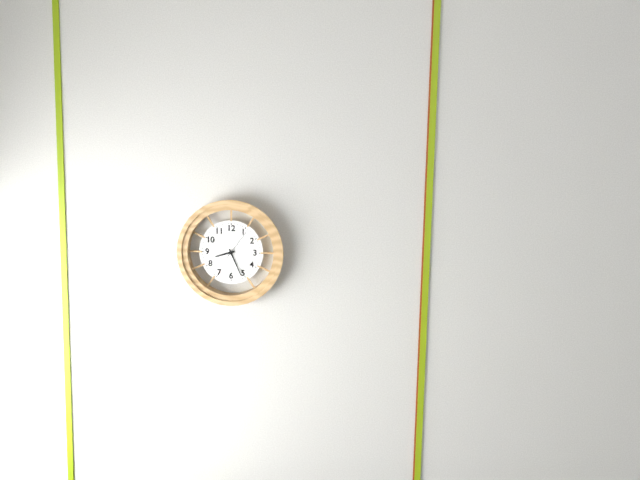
8:26
